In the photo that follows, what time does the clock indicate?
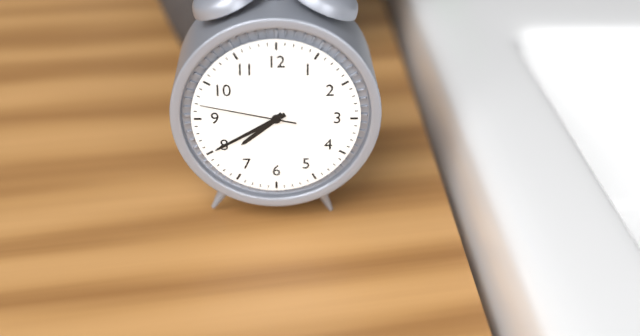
7:40:47
